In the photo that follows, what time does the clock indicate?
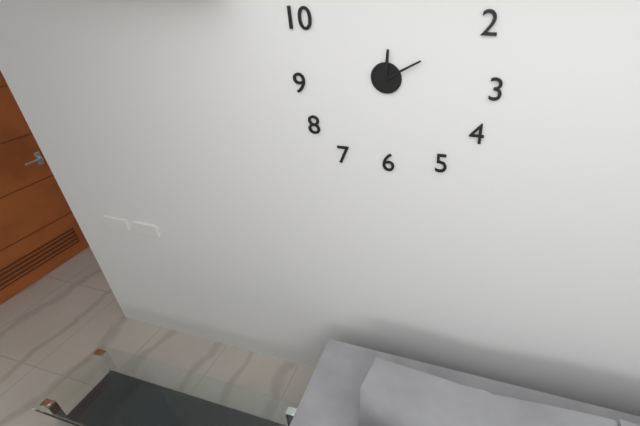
12:10
